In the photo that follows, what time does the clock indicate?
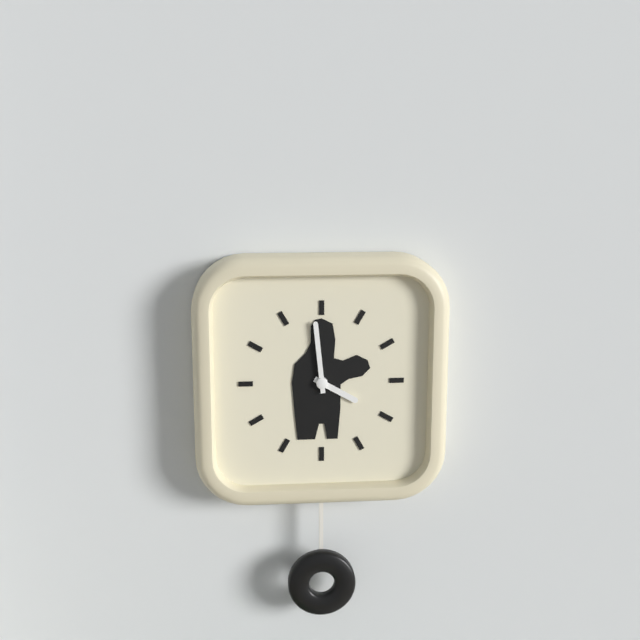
3:59
